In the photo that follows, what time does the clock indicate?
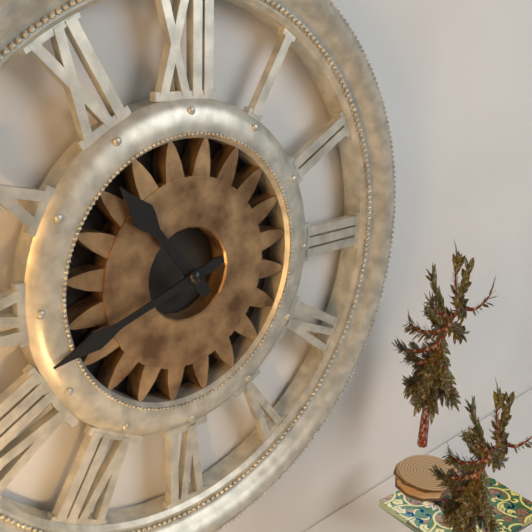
10:42
